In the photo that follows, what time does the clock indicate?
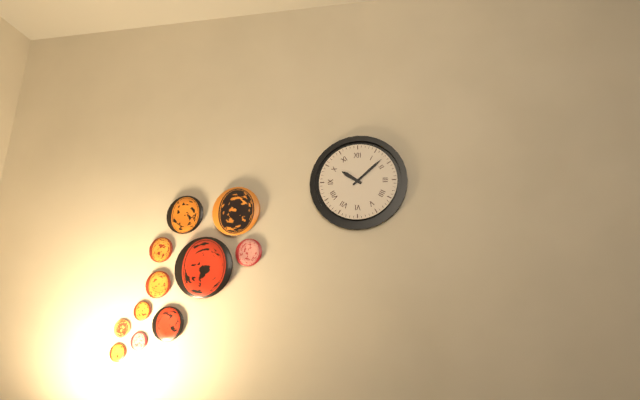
10:08
